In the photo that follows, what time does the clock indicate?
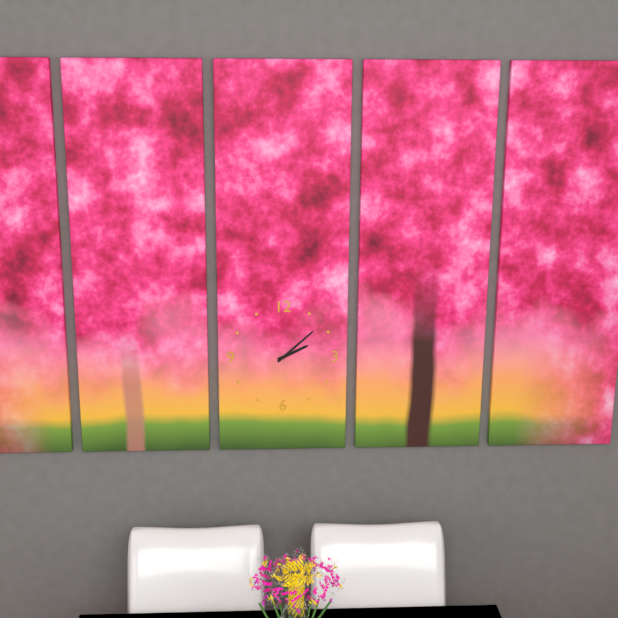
2:08
